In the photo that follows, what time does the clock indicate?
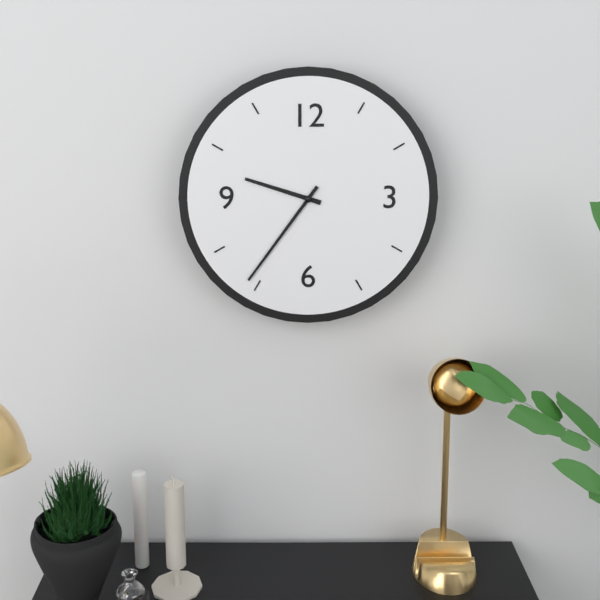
9:36
